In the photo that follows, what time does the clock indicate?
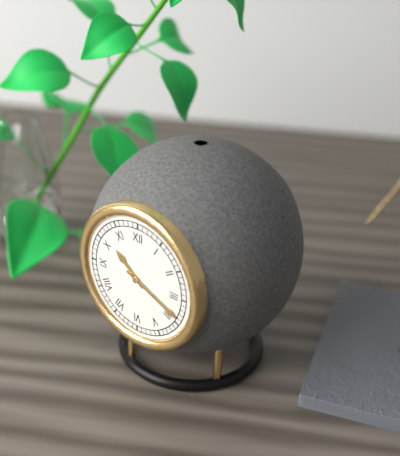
10:19
